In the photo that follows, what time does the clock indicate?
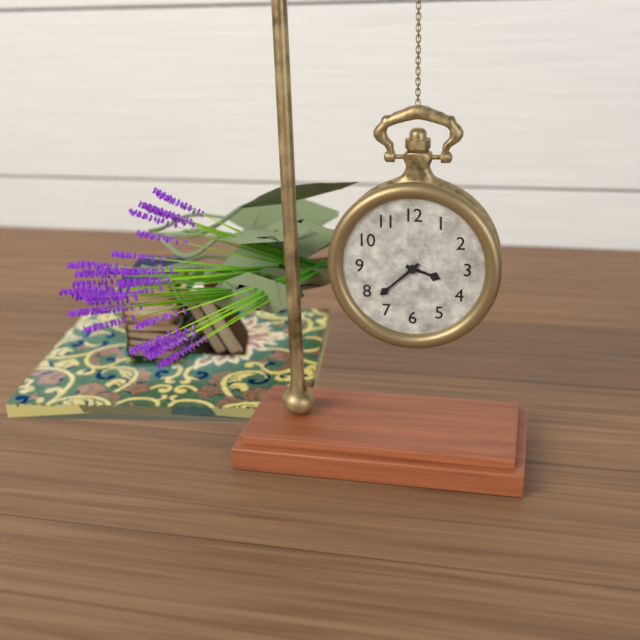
3:38
